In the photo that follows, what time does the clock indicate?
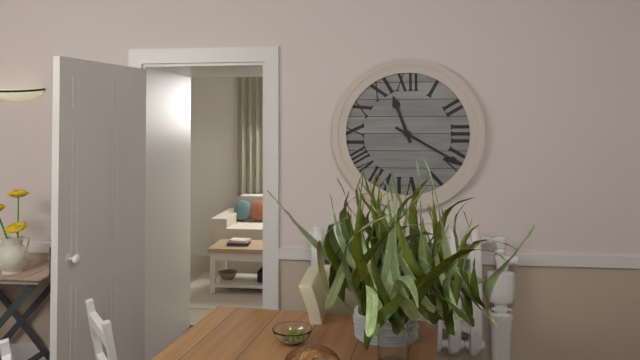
11:20
